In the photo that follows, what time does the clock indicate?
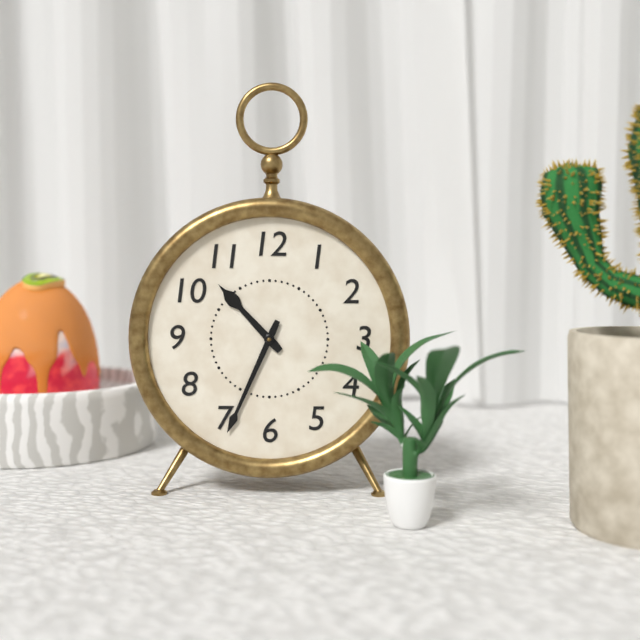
10:34
